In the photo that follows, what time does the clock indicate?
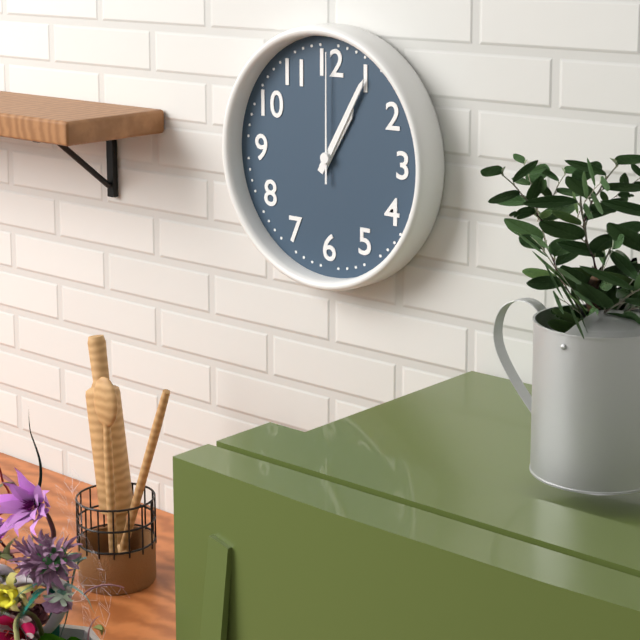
1:05:00
